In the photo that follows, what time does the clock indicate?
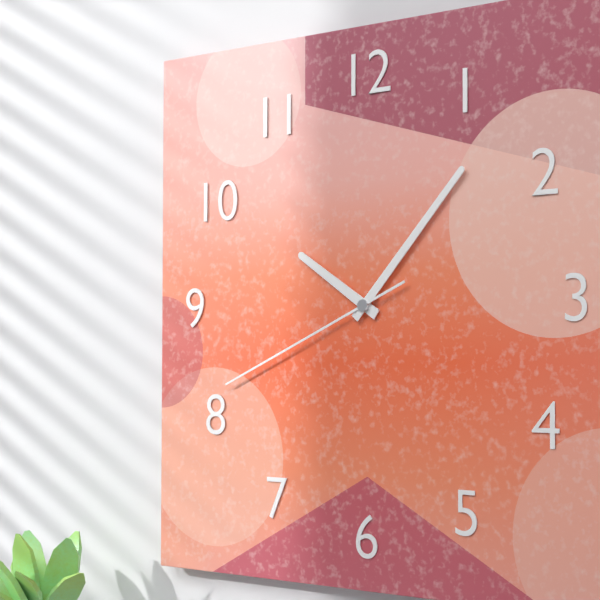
10:07:41
